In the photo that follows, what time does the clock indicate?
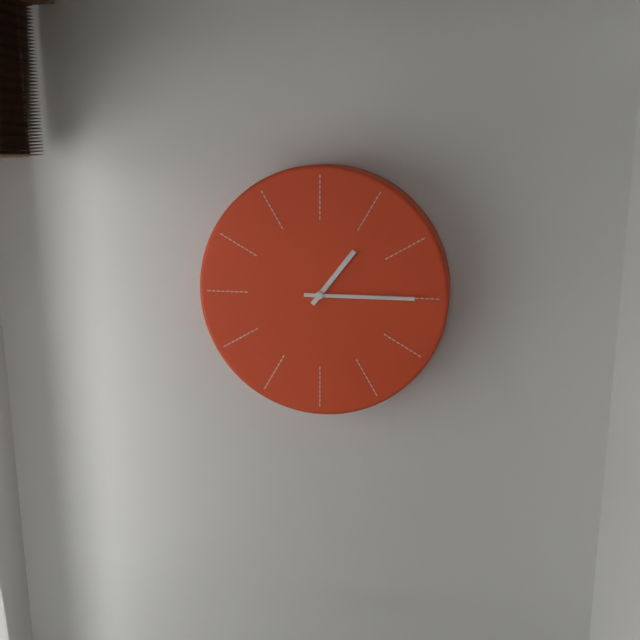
1:15
